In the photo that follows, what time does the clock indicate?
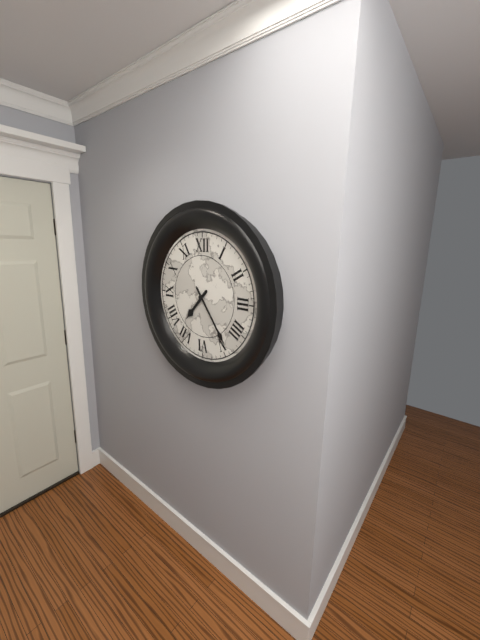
7:24
